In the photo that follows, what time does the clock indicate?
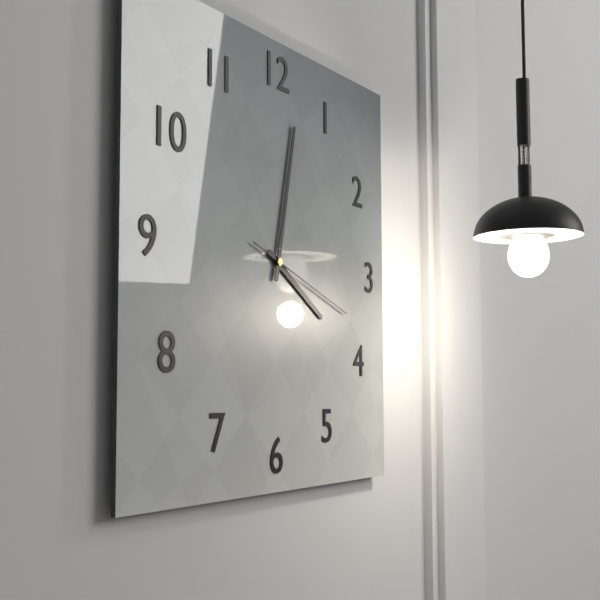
4:02:18
